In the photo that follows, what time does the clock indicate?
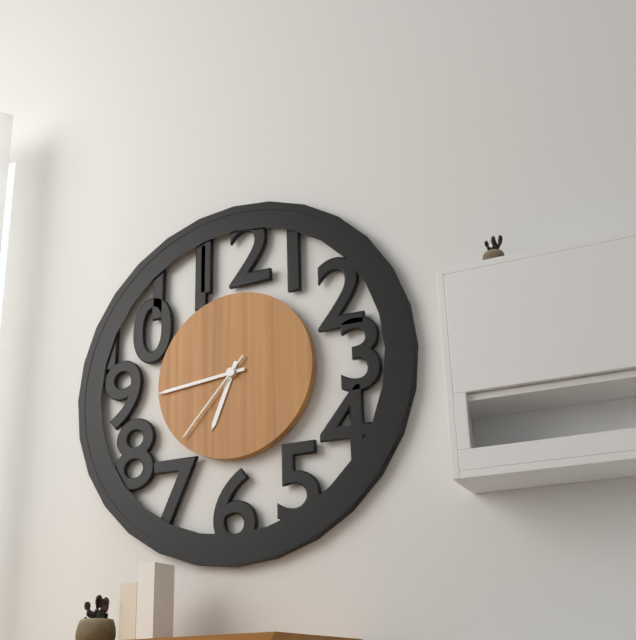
6:44:37
